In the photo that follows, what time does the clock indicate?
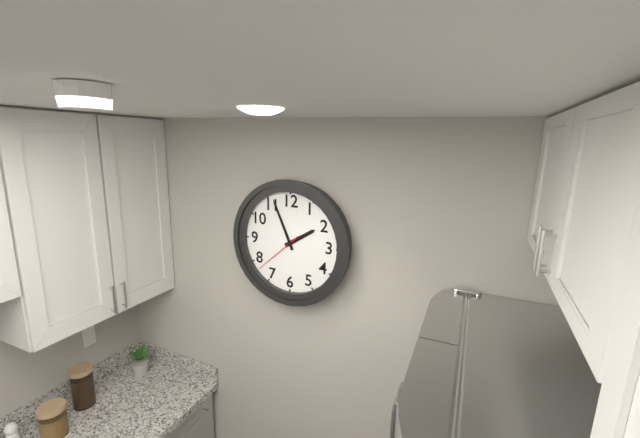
1:56:38
